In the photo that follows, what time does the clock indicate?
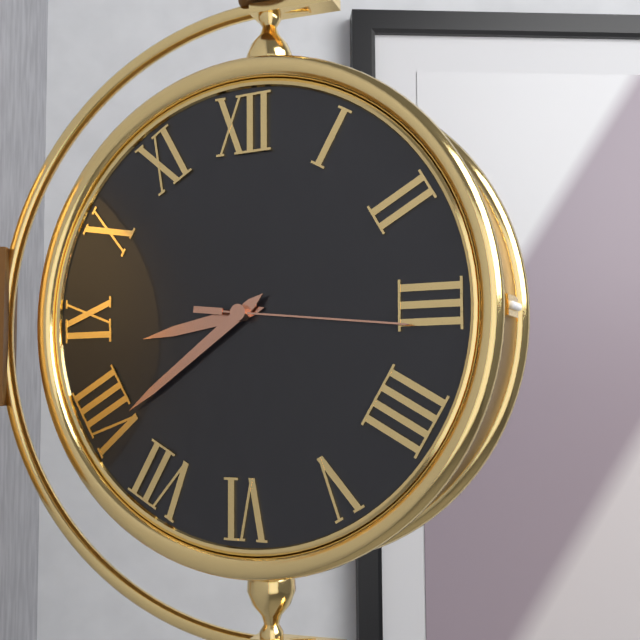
8:39:16
